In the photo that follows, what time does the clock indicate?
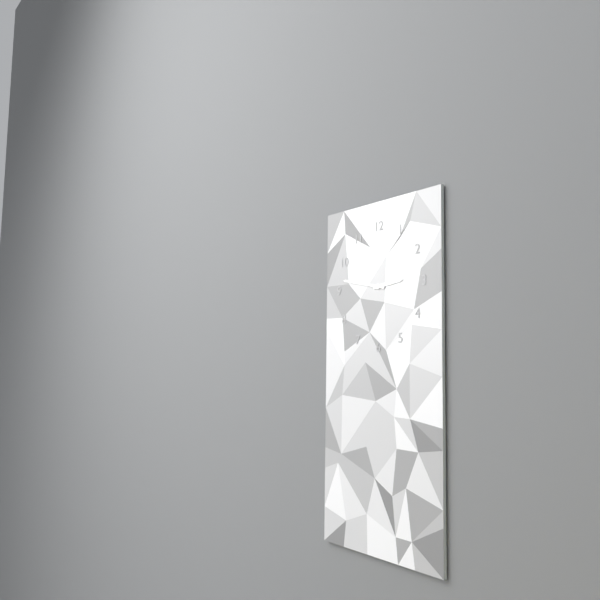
2:47
